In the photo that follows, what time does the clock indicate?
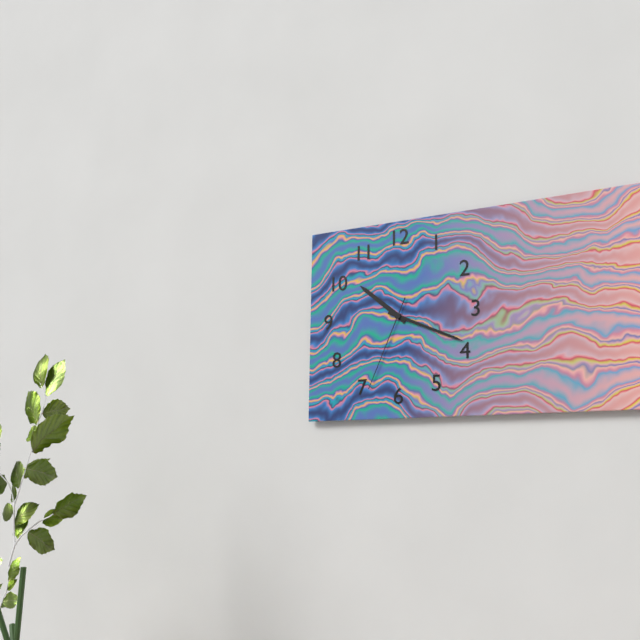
10:19:34
